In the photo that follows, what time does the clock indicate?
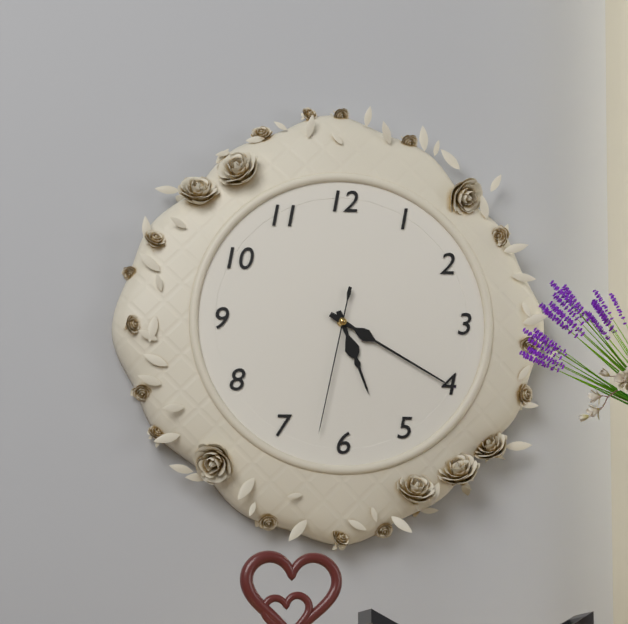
5:20:32
